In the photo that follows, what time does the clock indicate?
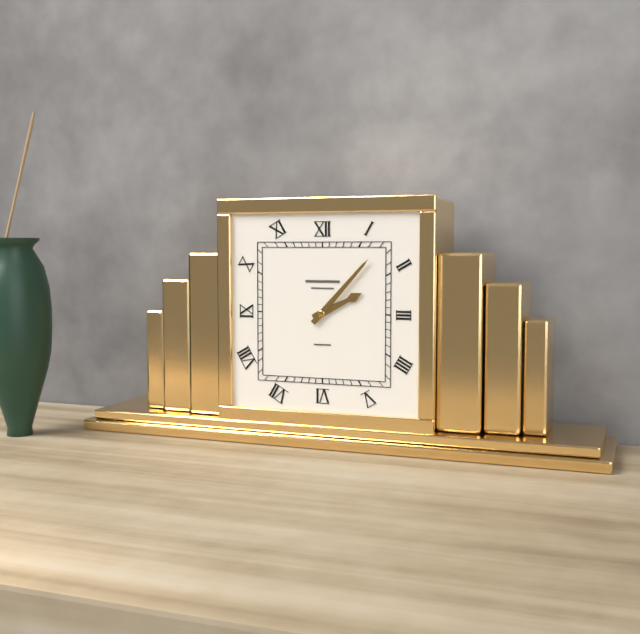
2:07
